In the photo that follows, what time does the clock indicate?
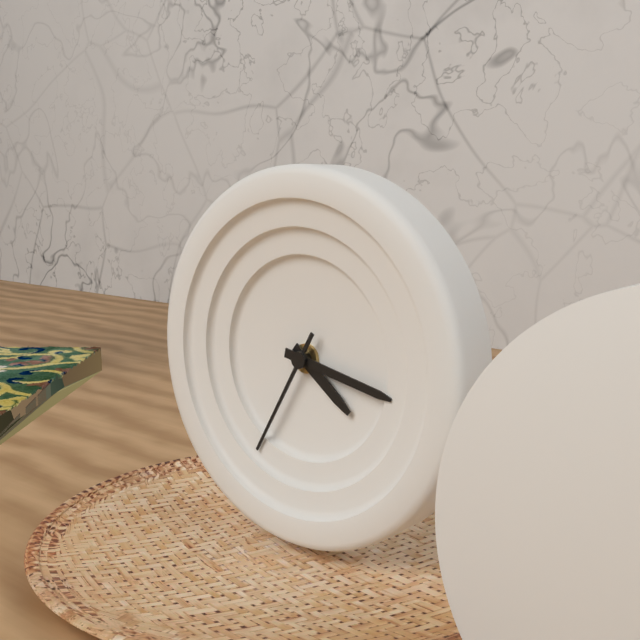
4:17:35
